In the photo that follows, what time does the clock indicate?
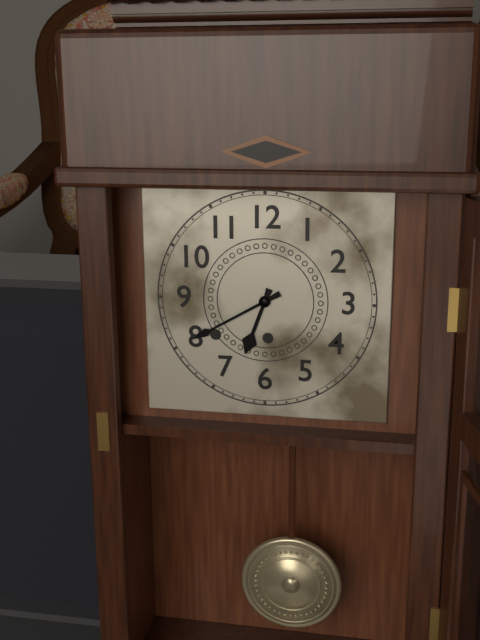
6:40
